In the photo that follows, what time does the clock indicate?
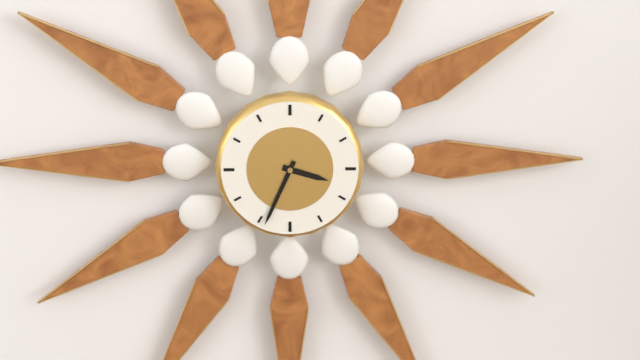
3:34
